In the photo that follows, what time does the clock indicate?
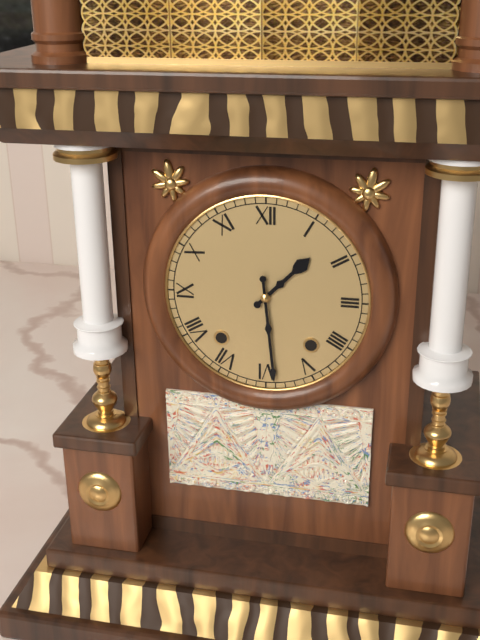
1:29
